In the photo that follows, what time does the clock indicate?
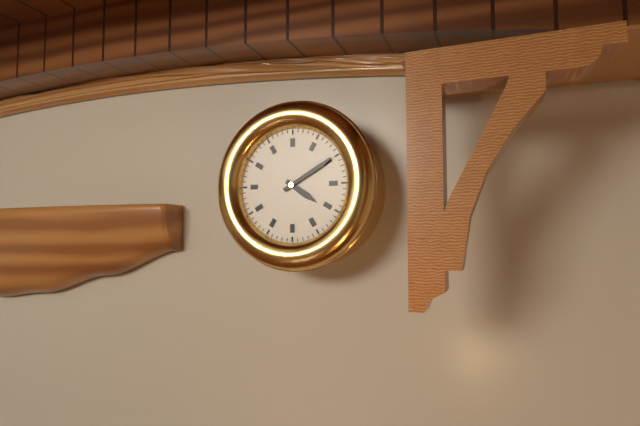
4:10
